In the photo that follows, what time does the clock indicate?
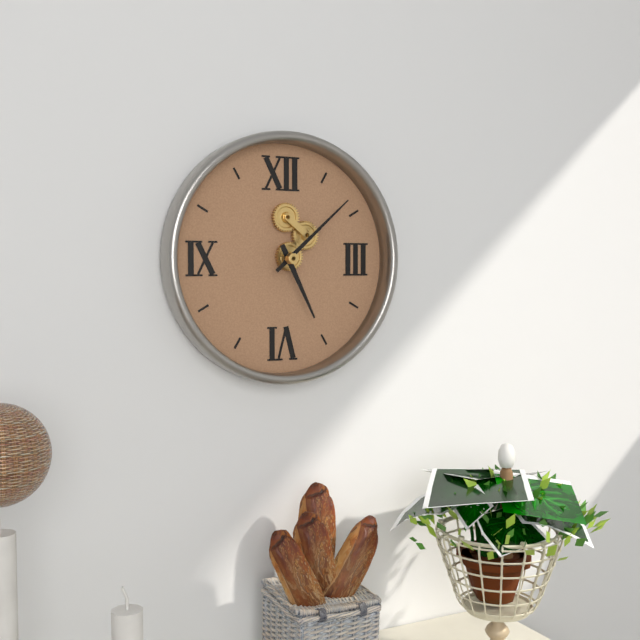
5:08
